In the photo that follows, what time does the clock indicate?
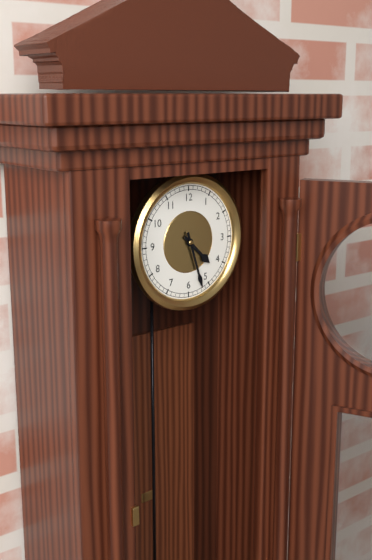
4:27
